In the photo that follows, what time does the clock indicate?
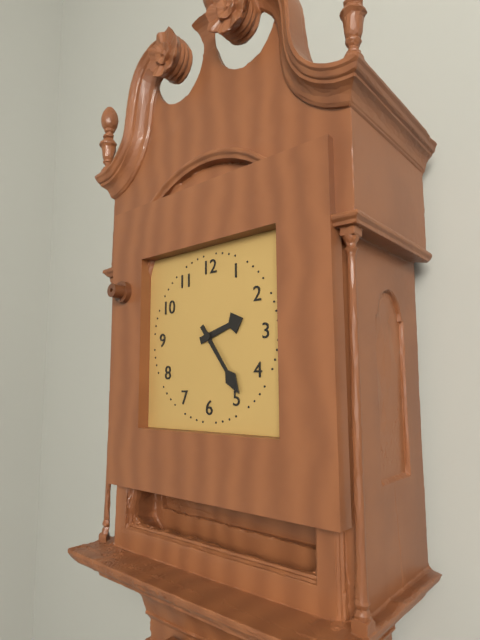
2:24
